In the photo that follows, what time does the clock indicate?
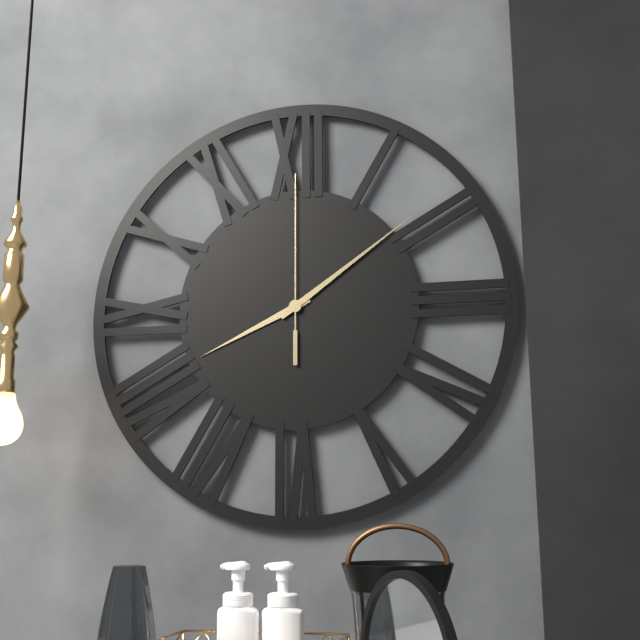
8:09:00
